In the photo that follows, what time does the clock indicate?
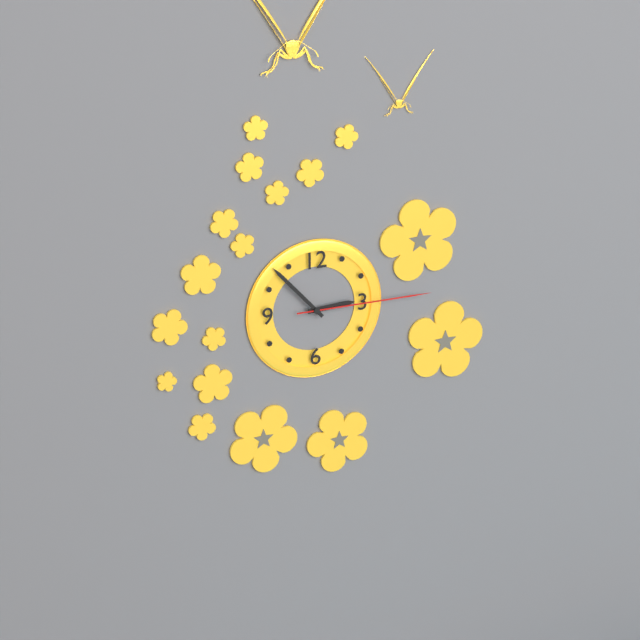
2:53:15
